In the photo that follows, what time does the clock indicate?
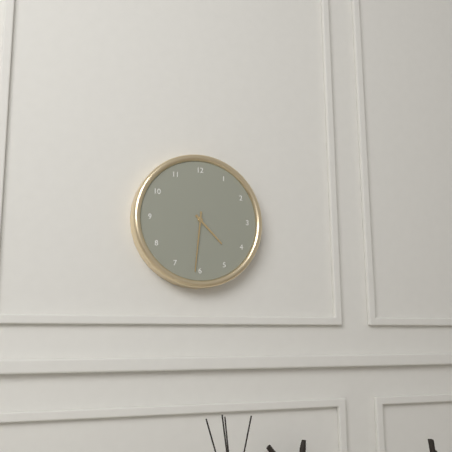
4:31
